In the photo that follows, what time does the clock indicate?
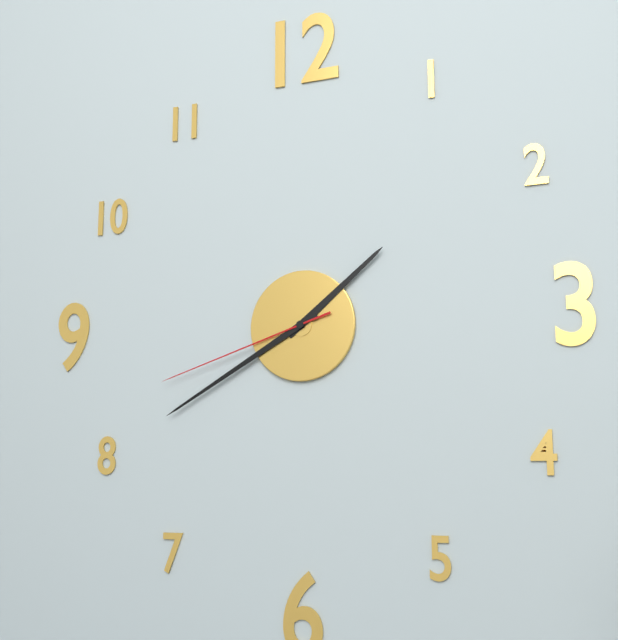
1:40:42
